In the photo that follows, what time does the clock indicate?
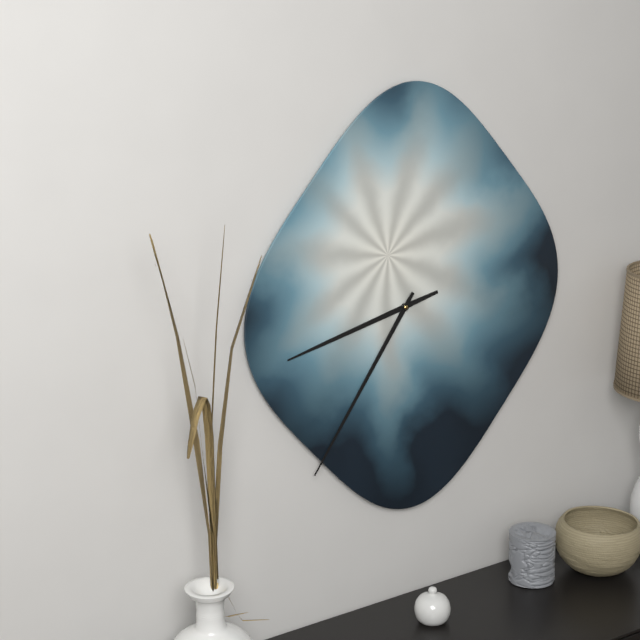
8:36
